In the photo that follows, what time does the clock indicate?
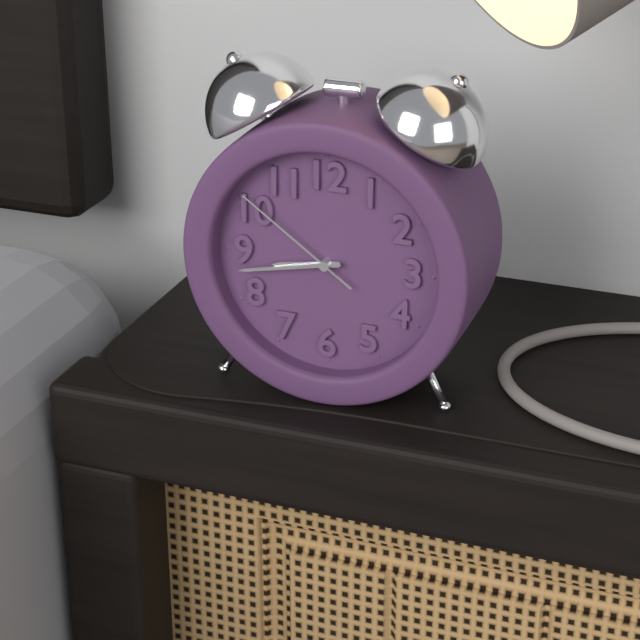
8:43:51
